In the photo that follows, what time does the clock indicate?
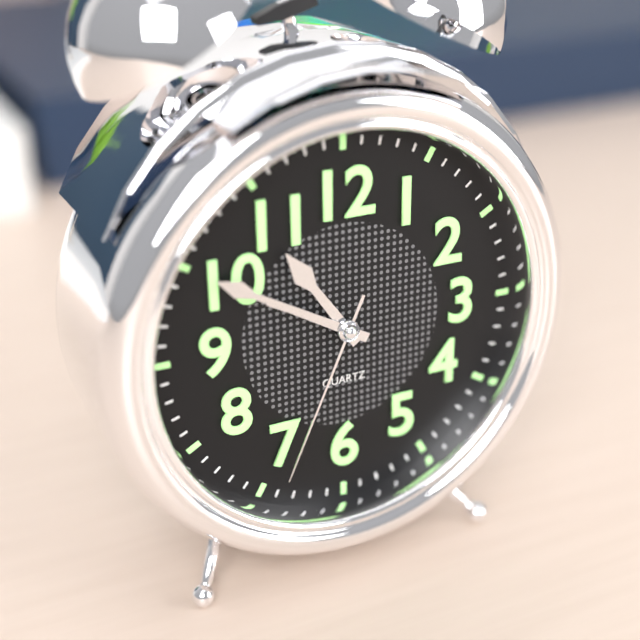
10:50:34
